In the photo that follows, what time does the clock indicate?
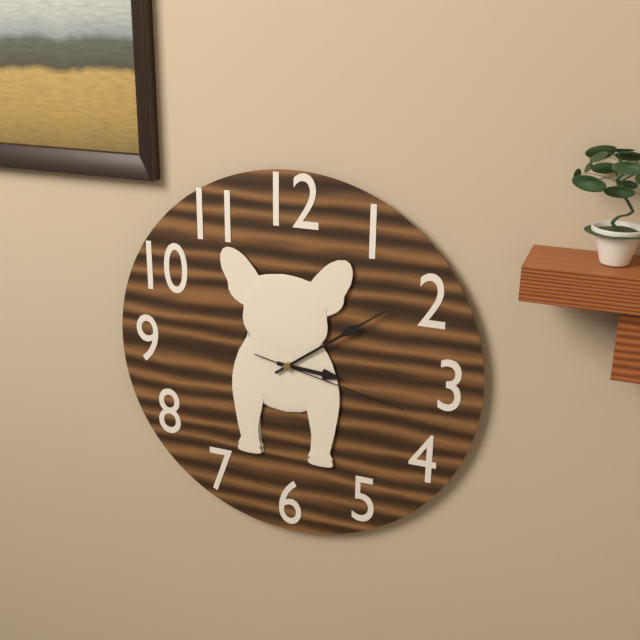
3:09:17
